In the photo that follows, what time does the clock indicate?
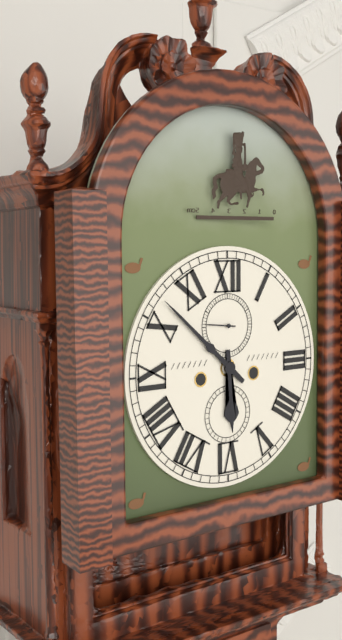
5:52
